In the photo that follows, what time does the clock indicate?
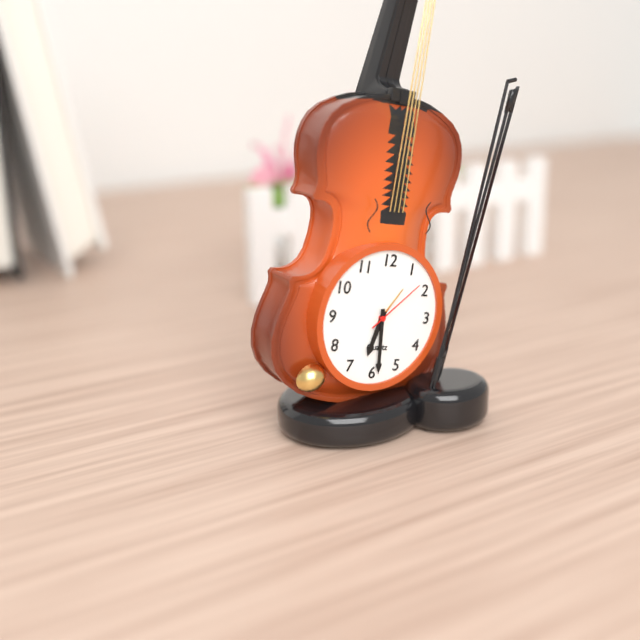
6:29:08
